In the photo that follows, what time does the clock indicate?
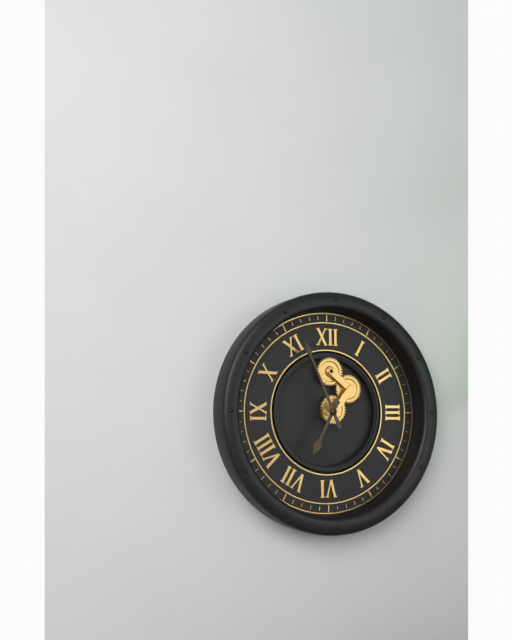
6:56
